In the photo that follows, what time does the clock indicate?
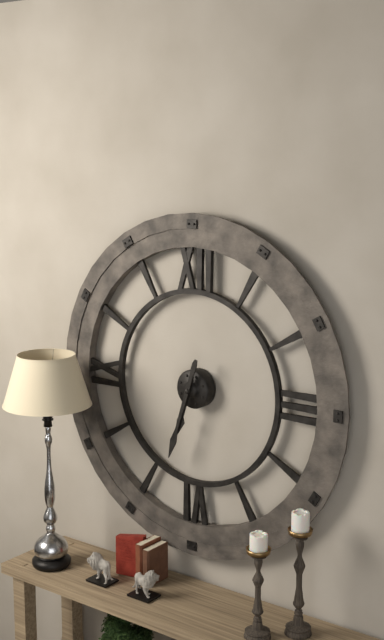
6:33
